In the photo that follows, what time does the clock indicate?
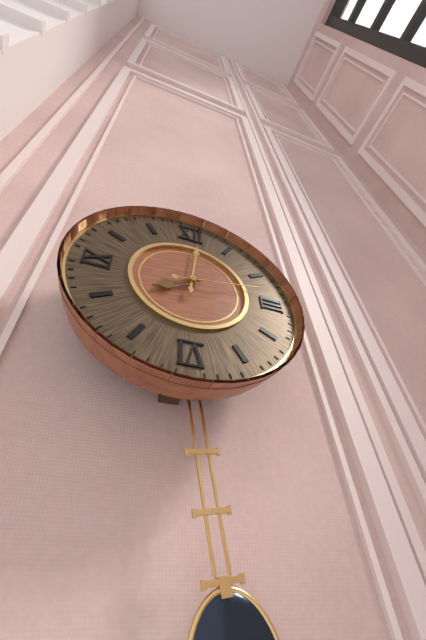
8:01:13
